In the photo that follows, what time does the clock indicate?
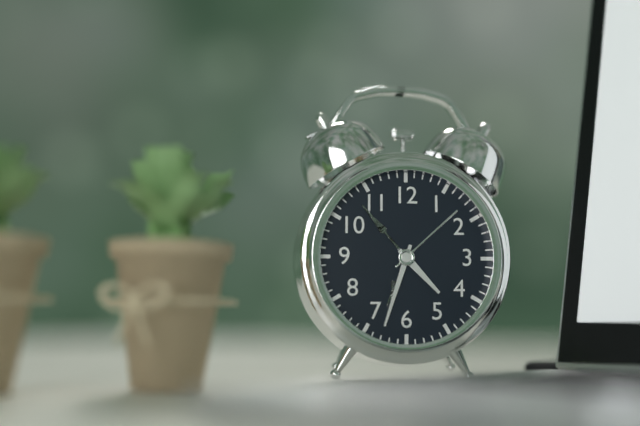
4:33
